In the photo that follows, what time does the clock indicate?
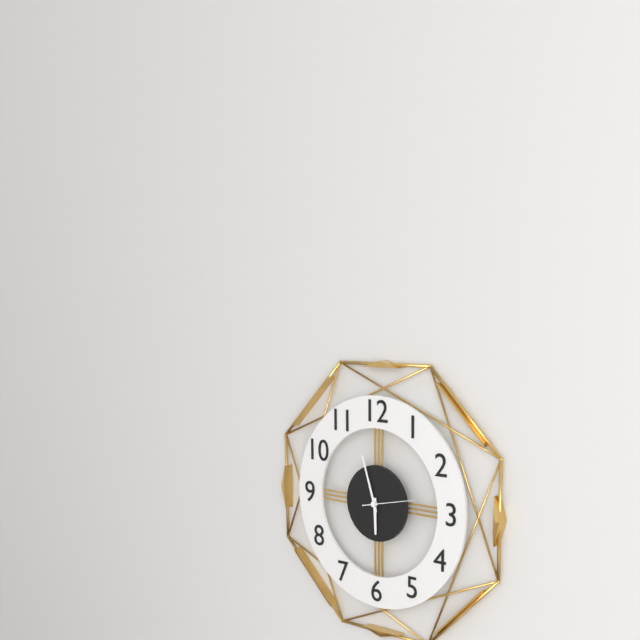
5:57
